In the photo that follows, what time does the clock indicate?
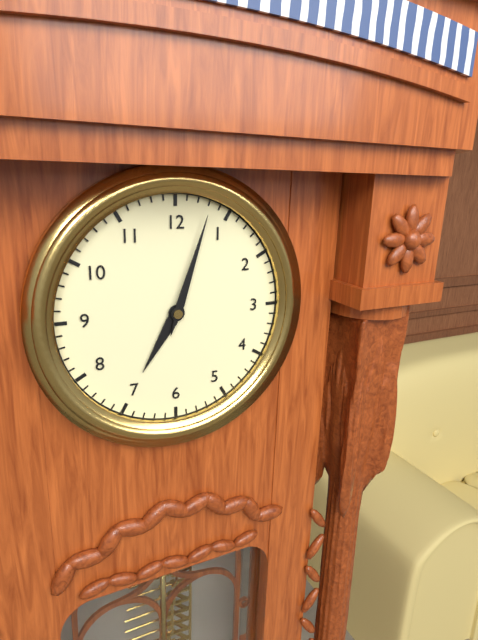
7:03
